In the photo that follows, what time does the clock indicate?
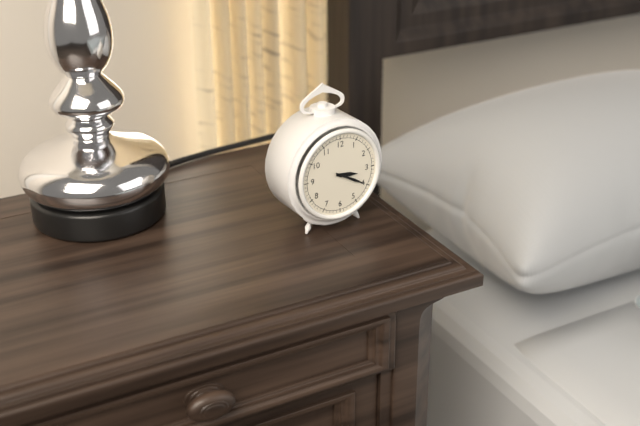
3:20
